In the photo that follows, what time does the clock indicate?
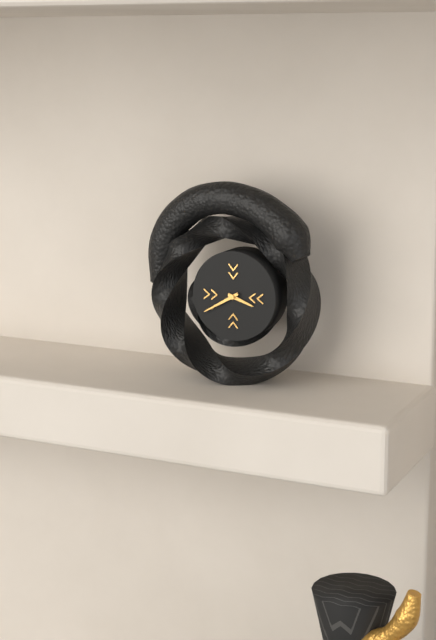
3:40
